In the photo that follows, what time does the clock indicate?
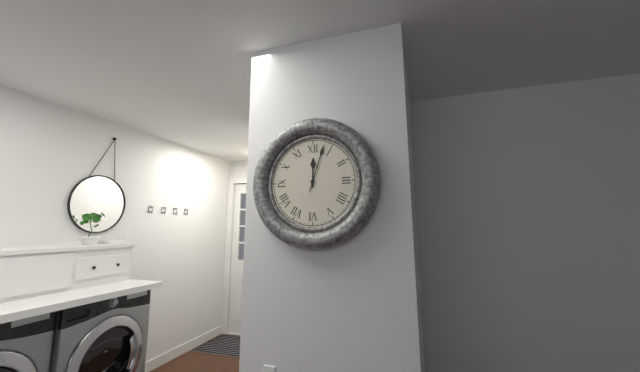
12:03
